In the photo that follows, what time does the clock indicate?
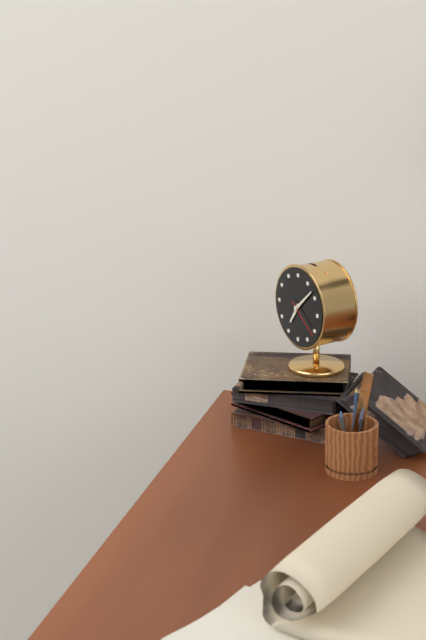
7:08
